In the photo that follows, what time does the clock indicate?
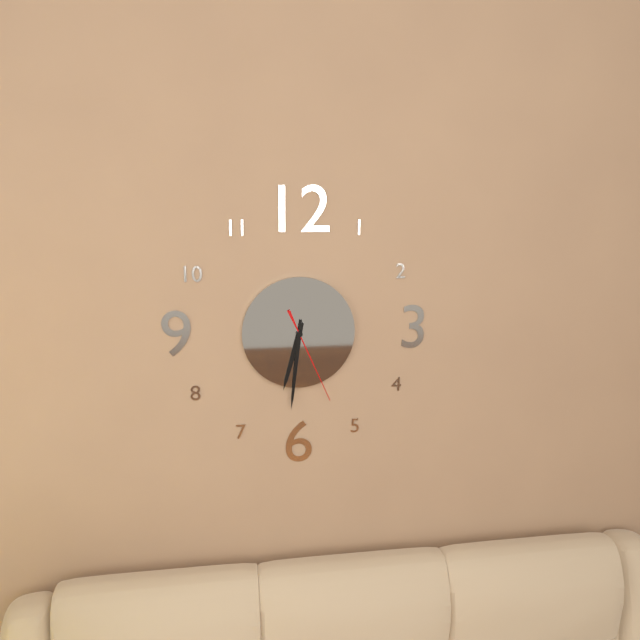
6:31:26
